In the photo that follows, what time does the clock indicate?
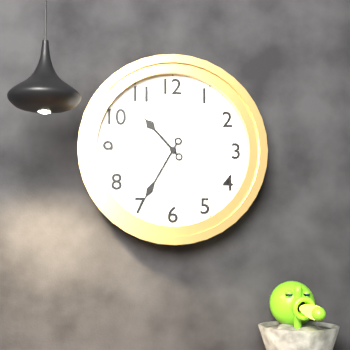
10:35
